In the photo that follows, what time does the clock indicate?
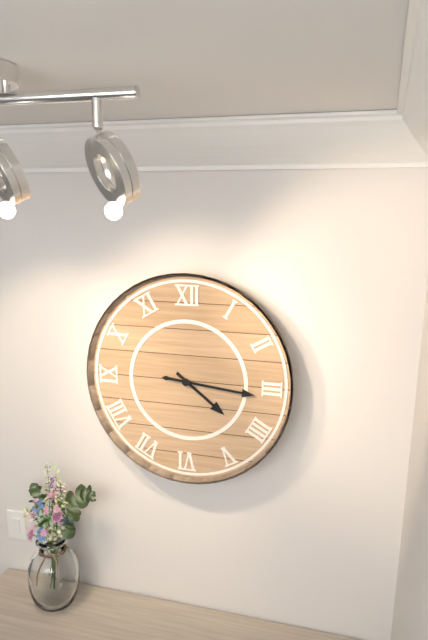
4:16
